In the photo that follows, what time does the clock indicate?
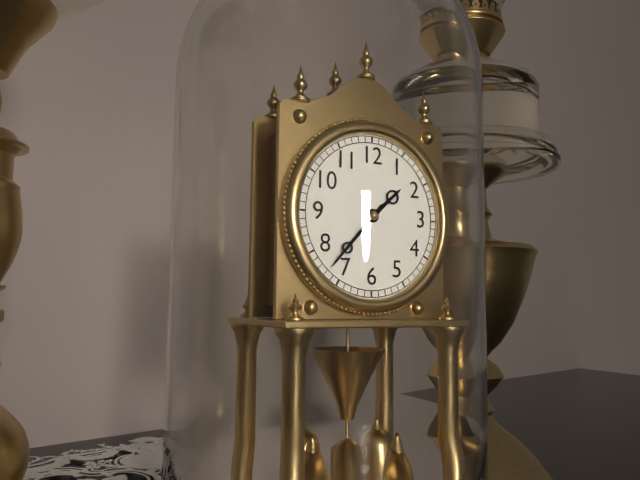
1:37
